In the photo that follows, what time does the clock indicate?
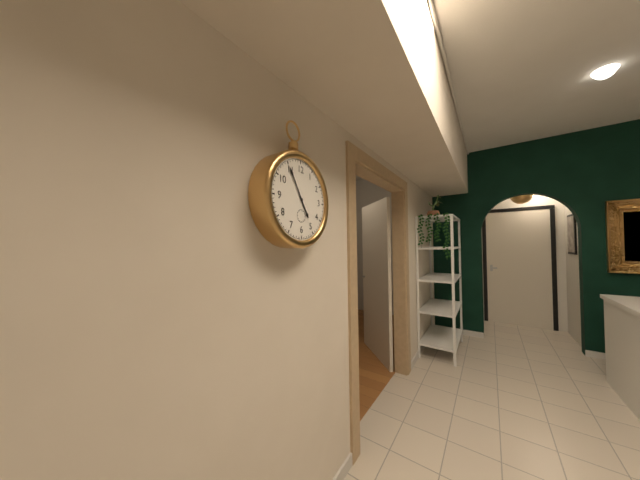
4:55
